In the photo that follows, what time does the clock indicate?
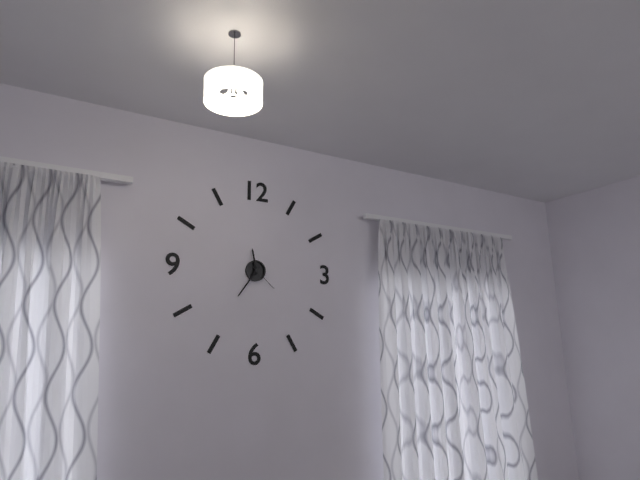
11:36
